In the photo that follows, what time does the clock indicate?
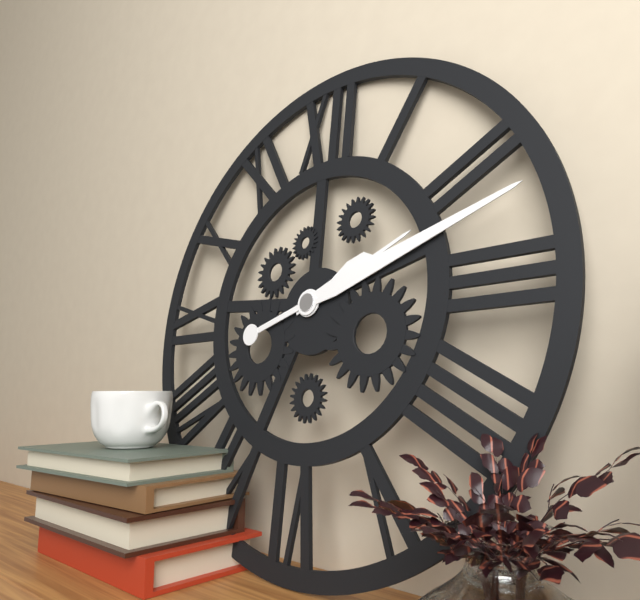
2:12
